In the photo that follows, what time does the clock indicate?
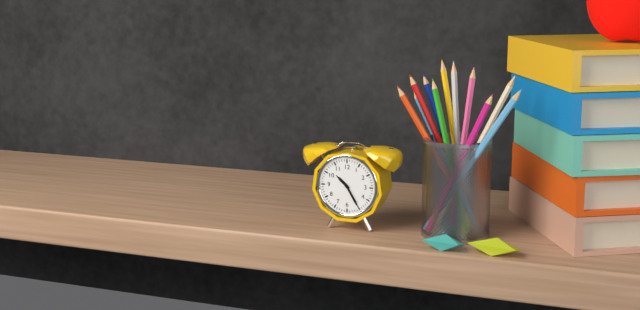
10:25
